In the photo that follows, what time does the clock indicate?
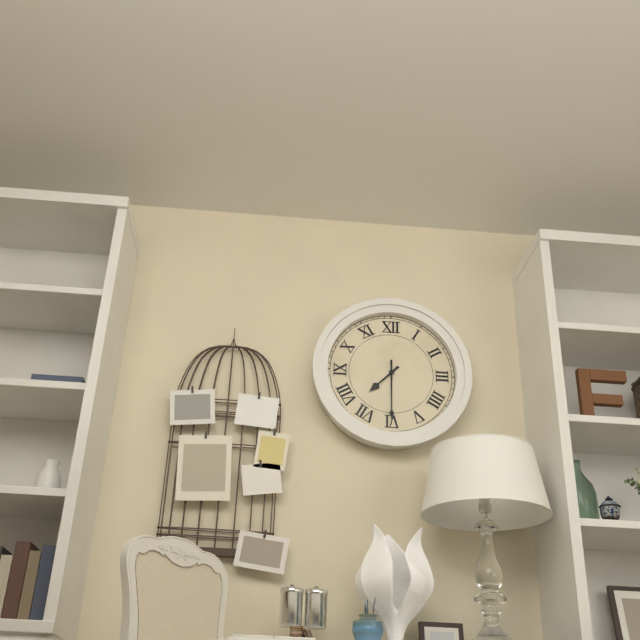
7:30
